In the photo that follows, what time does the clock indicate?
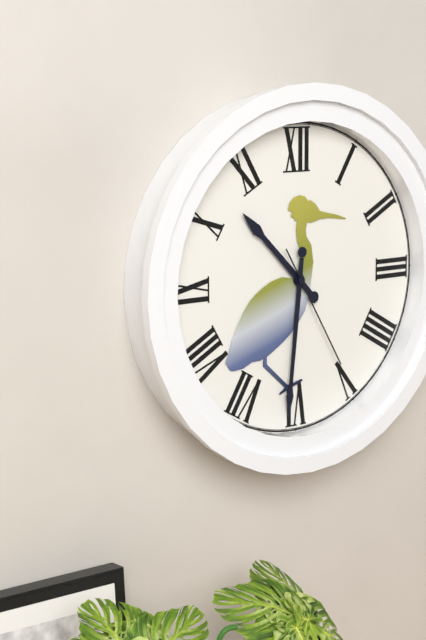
10:31:25
